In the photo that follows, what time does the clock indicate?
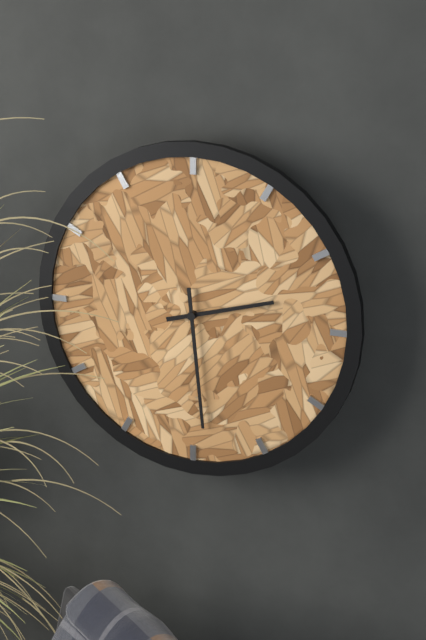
2:29
